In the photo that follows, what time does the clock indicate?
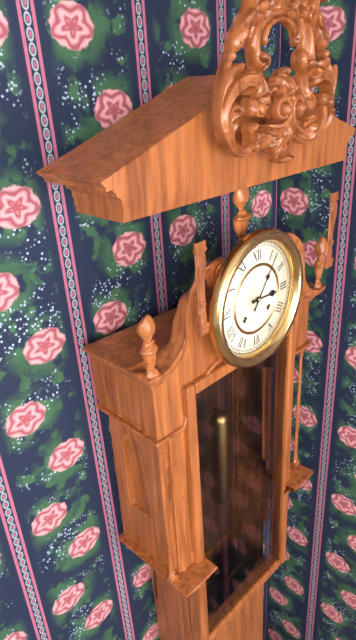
3:06
